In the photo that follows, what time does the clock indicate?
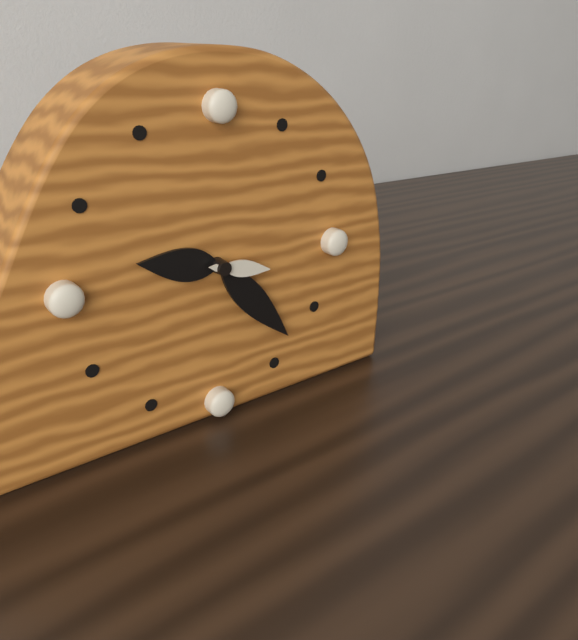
9:23:17
